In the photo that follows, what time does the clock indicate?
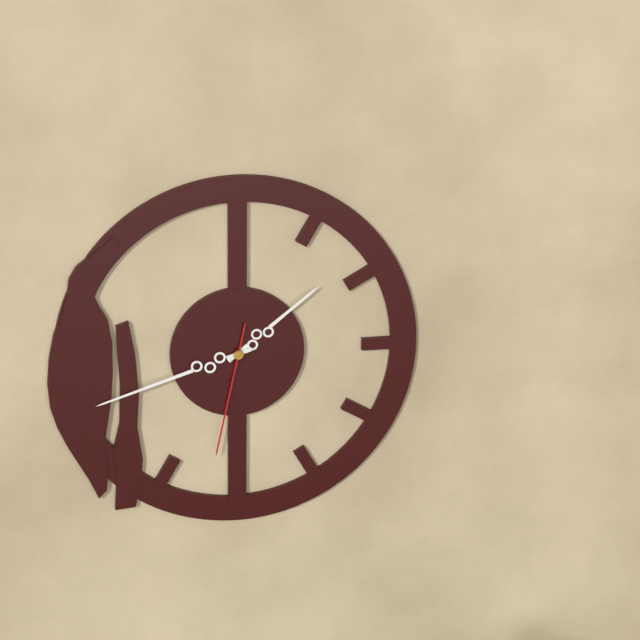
1:42:32
